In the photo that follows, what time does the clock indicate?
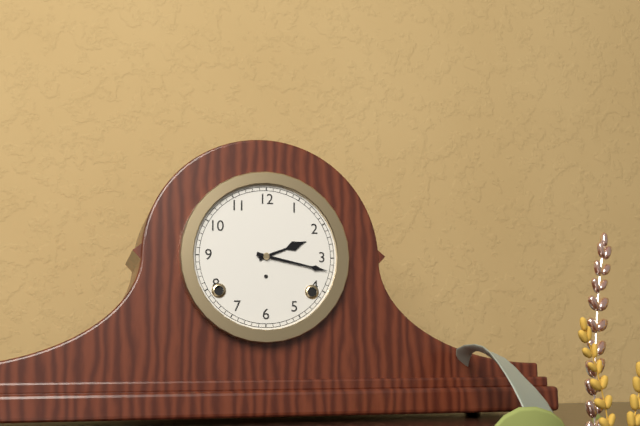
2:17
